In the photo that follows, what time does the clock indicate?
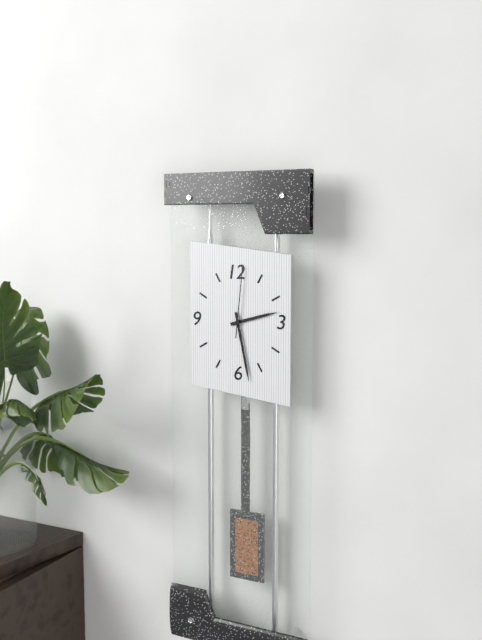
2:28:01
